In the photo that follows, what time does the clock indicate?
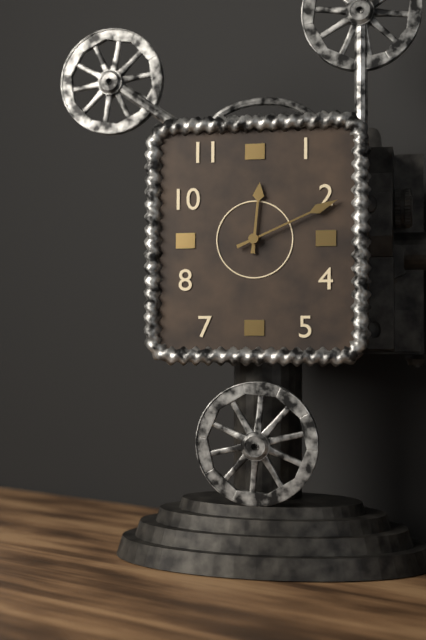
12:11
